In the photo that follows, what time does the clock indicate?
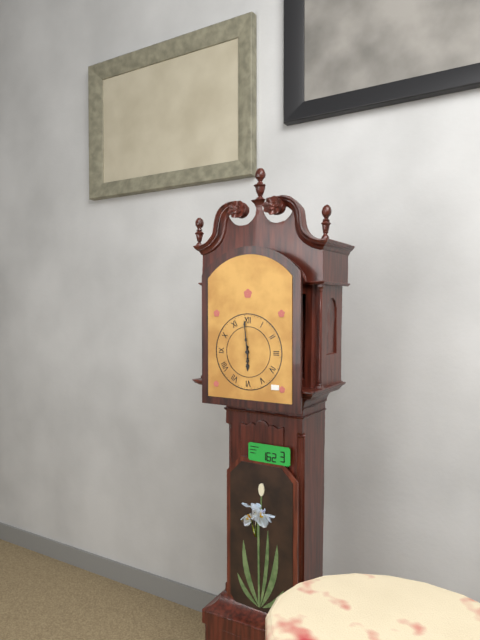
5:59
